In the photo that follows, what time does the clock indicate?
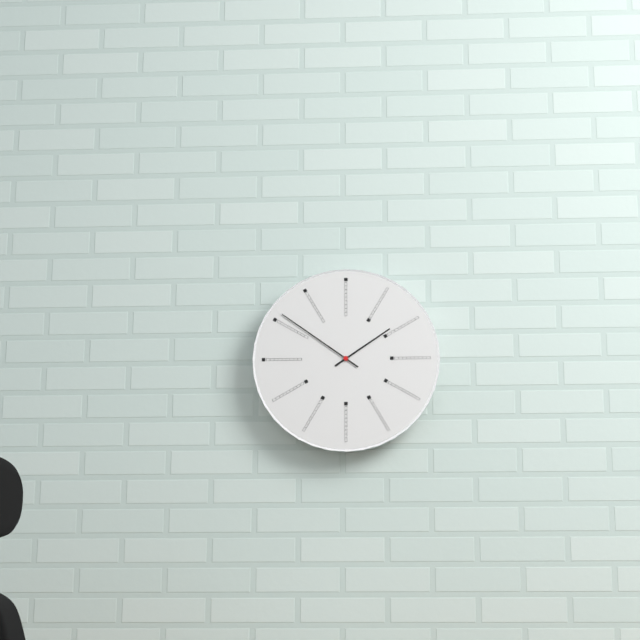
1:51
